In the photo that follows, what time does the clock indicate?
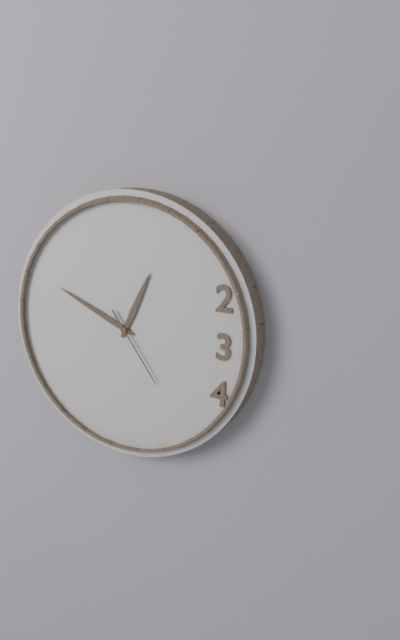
12:49:24
